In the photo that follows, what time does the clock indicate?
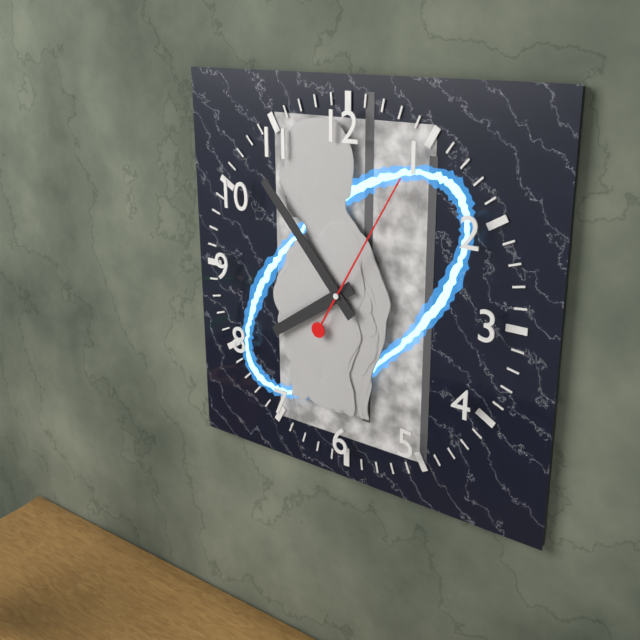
7:53:05
